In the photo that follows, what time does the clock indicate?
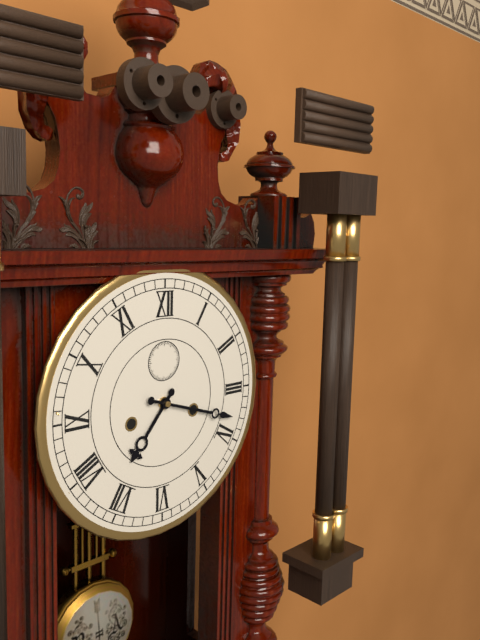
7:18
